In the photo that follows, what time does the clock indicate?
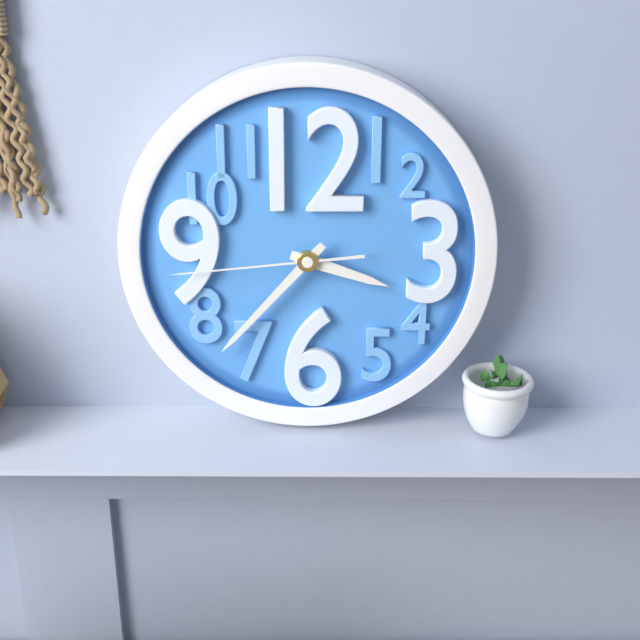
3:37:44
